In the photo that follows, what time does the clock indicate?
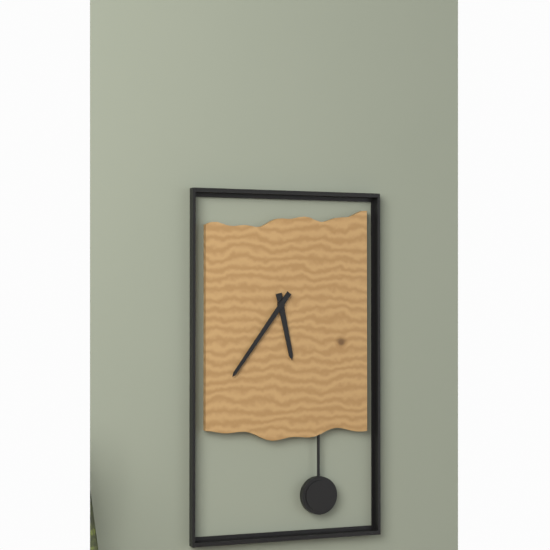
5:36
